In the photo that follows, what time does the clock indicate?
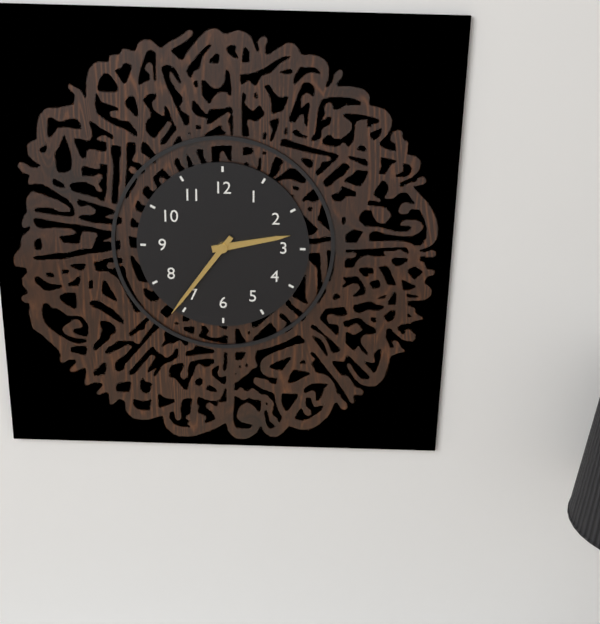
2:36
